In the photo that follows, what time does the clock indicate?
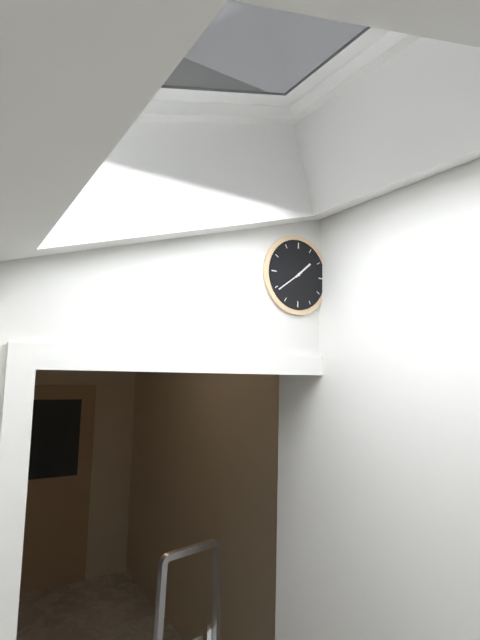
1:39
